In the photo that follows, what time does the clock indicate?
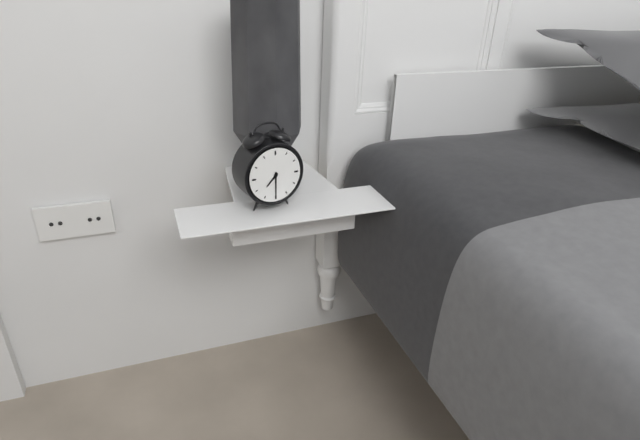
7:30
